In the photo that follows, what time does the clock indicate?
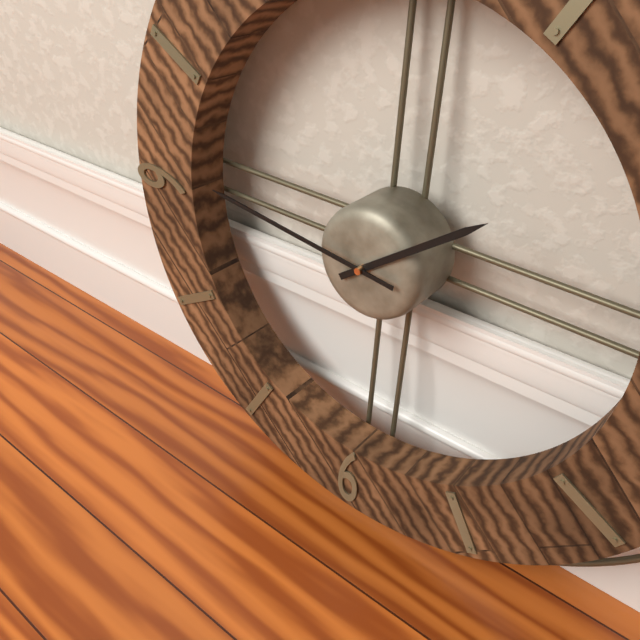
1:46
